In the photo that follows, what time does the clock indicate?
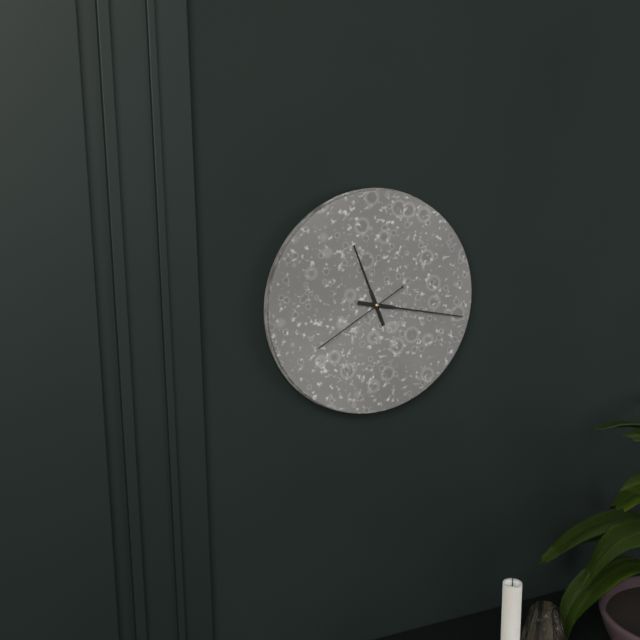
11:17:40
